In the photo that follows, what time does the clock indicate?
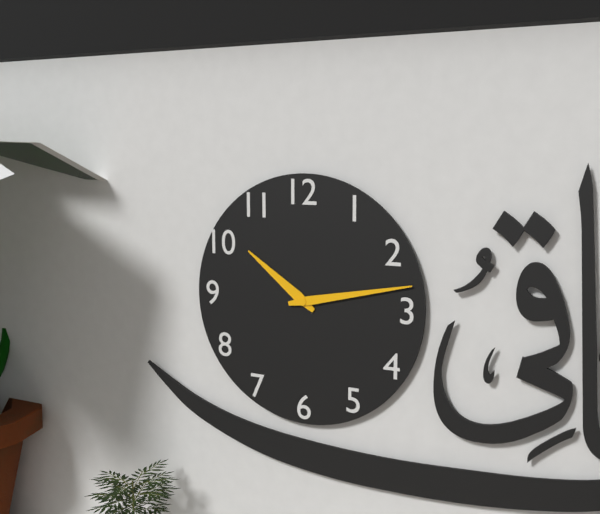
10:13
